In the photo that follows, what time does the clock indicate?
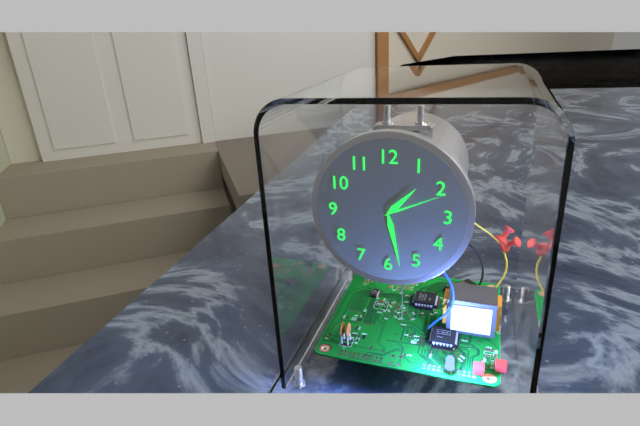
1:28:11
